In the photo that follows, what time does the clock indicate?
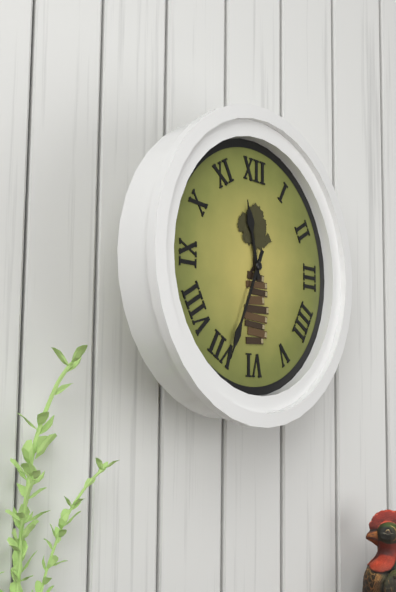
11:34
